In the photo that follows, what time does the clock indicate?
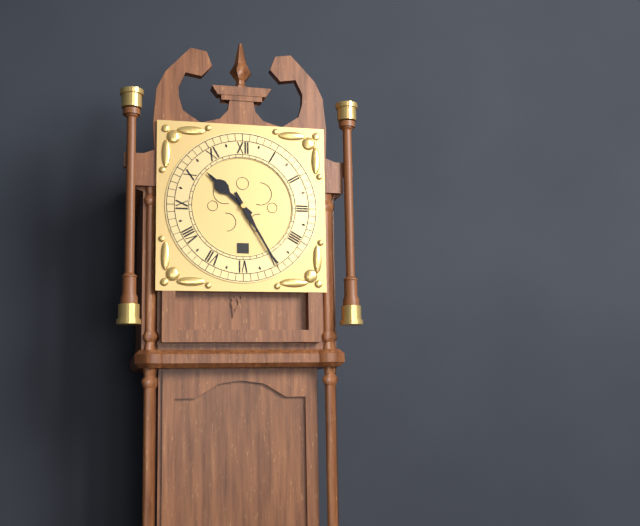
10:25
